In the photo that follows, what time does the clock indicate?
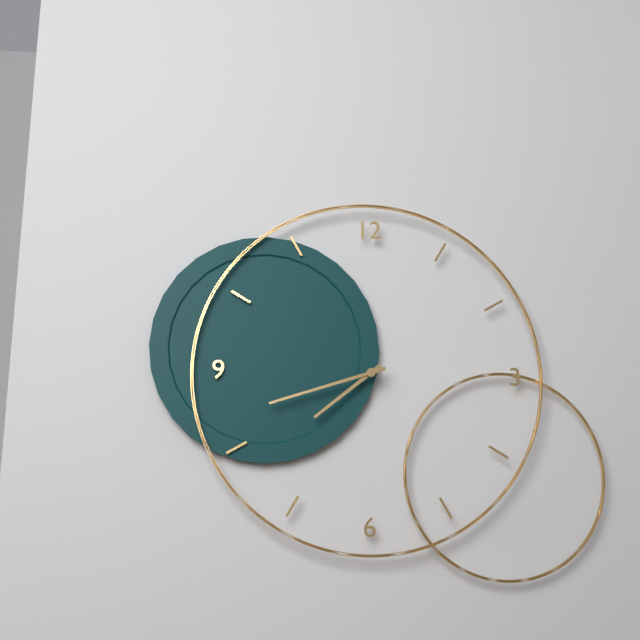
7:42
